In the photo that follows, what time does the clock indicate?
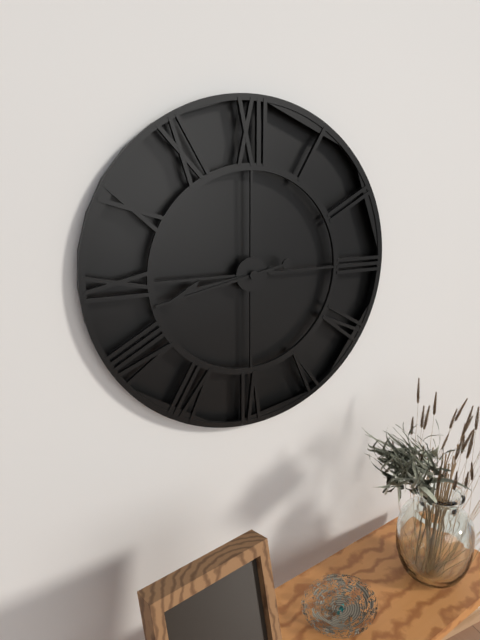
8:43
